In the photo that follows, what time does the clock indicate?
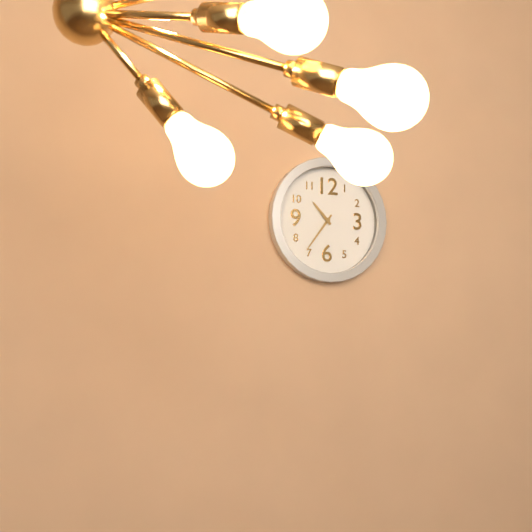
10:36
